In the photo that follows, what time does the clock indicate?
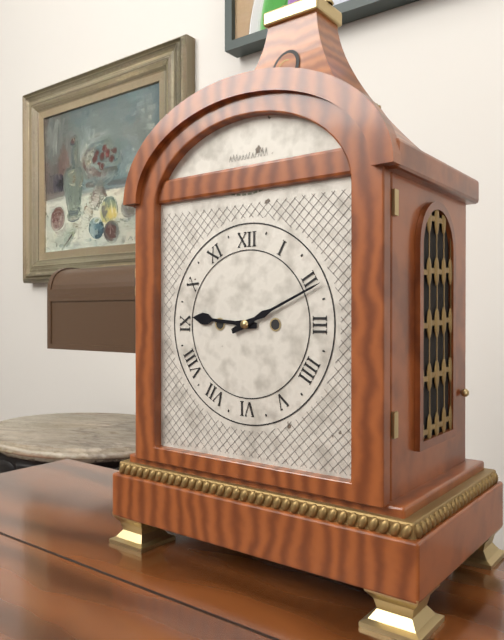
9:11
